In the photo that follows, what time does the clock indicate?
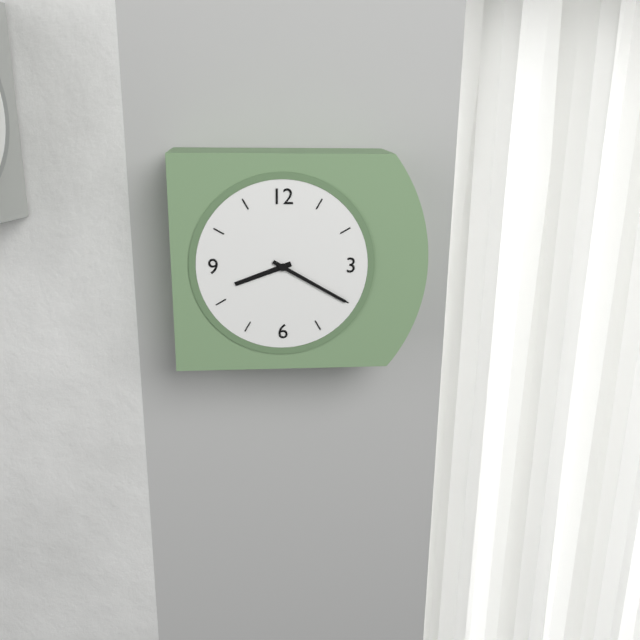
8:20
